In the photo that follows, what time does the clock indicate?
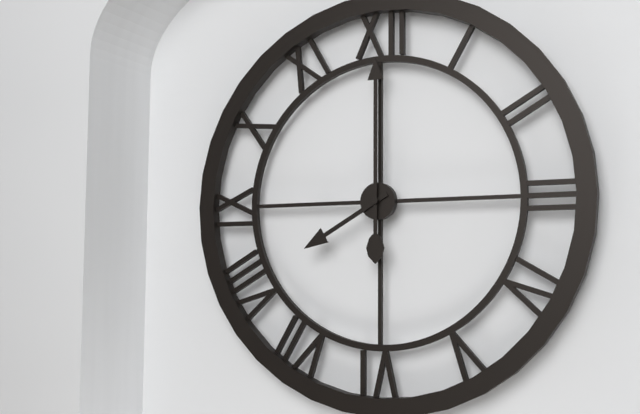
8:00
